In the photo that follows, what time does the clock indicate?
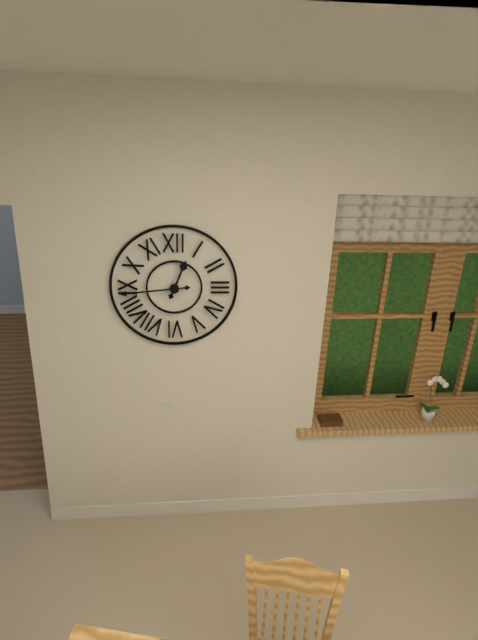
12:44
